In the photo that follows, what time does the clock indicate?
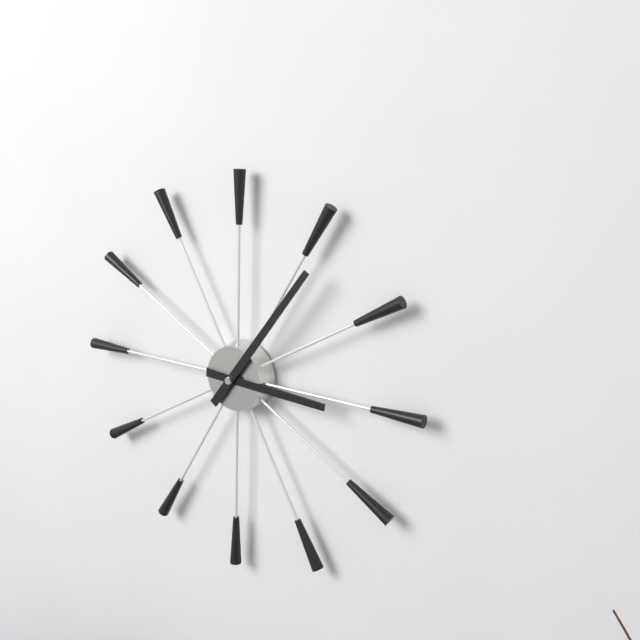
3:06
